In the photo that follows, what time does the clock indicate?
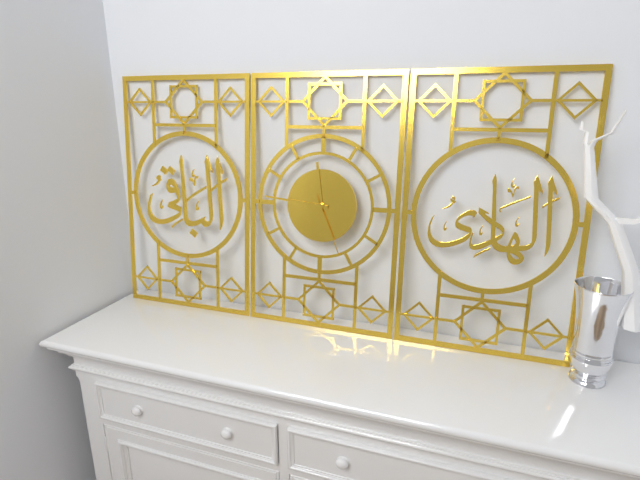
11:46:26
